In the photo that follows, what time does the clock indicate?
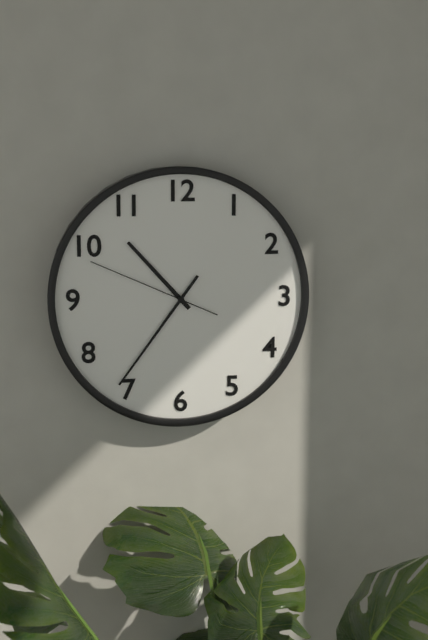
10:36:49
